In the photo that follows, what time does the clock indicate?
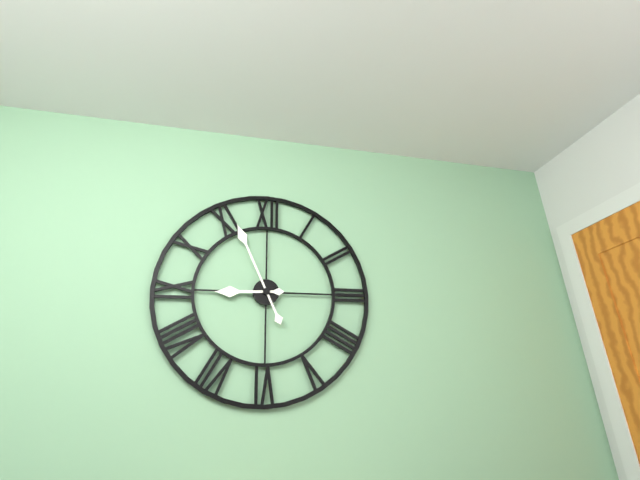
8:56
